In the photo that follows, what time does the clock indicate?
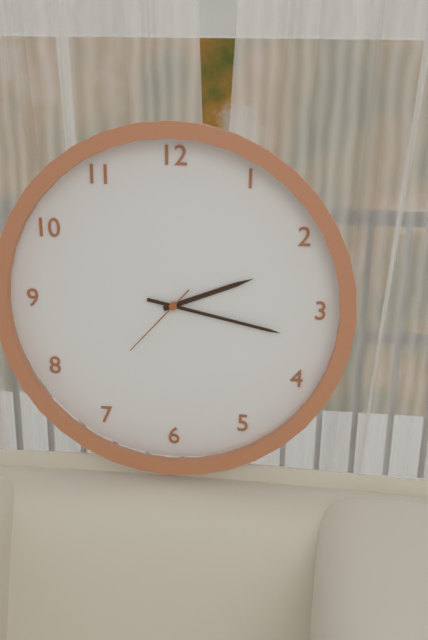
2:17:37
